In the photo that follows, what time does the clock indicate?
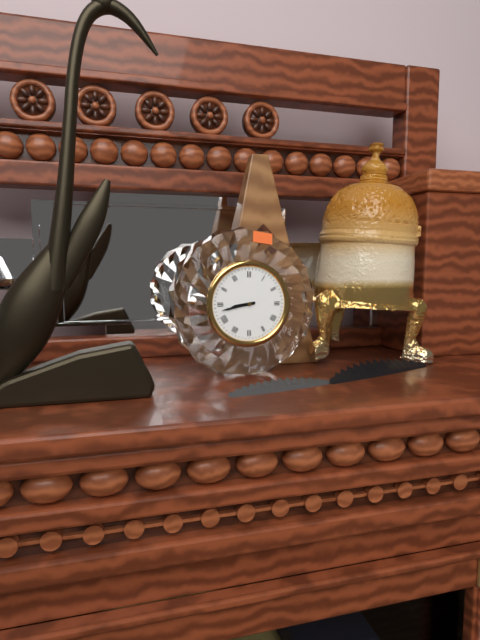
8:43
